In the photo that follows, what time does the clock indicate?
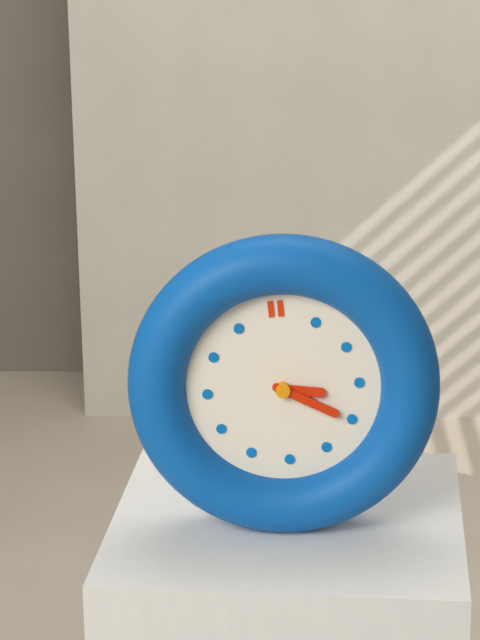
3:20
